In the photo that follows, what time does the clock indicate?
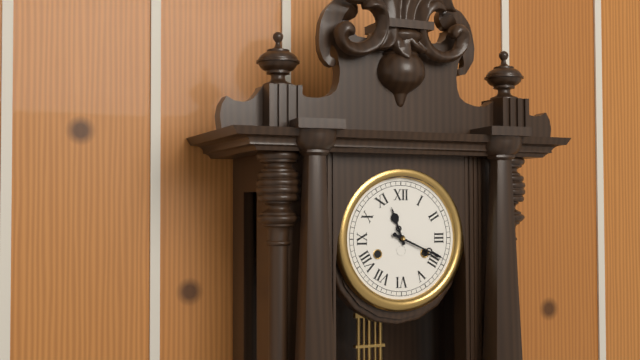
11:19
